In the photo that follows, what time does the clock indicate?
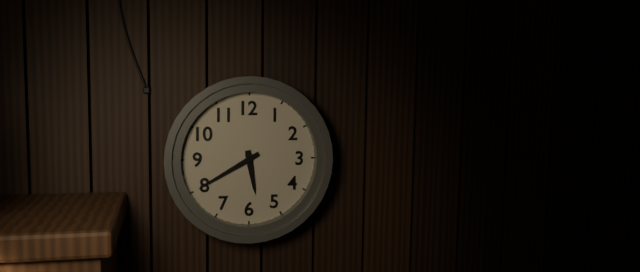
5:40
